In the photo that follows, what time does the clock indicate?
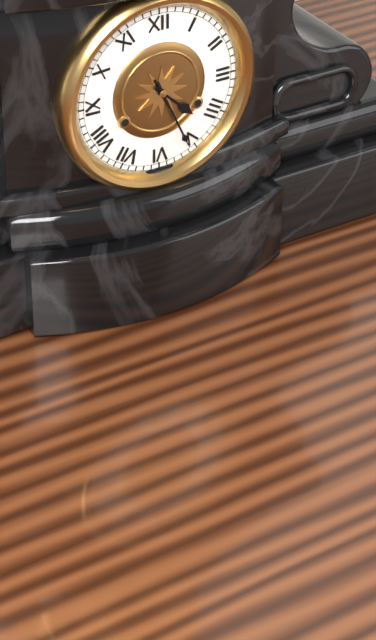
4:26
